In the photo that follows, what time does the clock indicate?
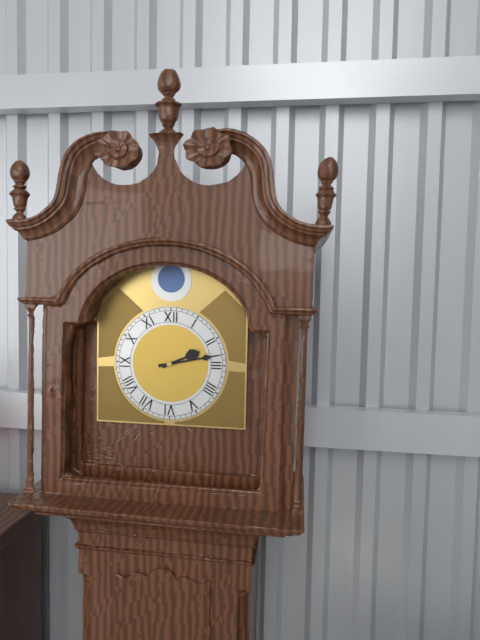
2:13
